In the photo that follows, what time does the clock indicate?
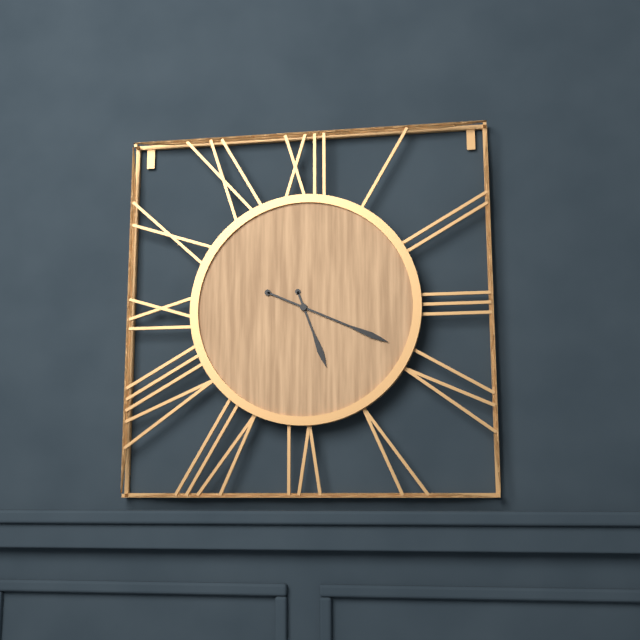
5:19
